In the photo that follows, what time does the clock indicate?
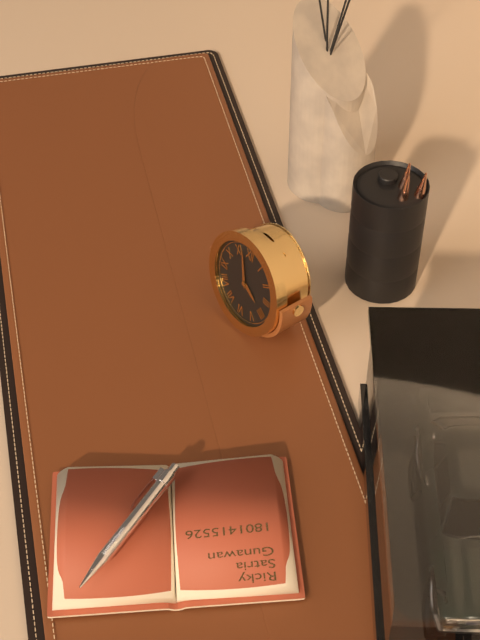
3:57
